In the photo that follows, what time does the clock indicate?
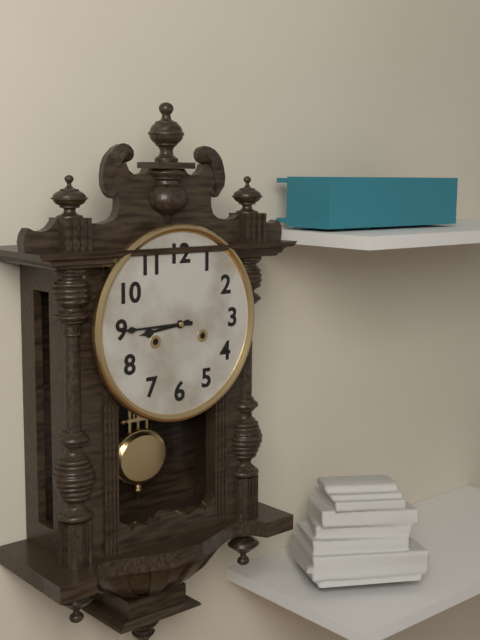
8:45
